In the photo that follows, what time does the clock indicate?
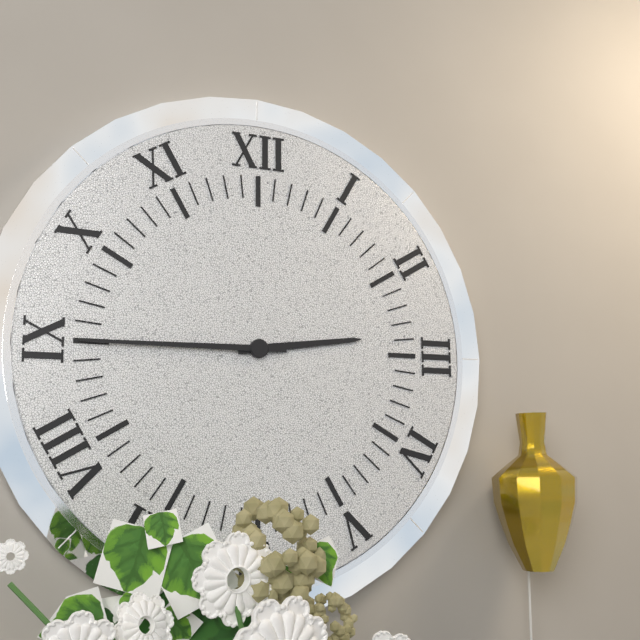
2:45
